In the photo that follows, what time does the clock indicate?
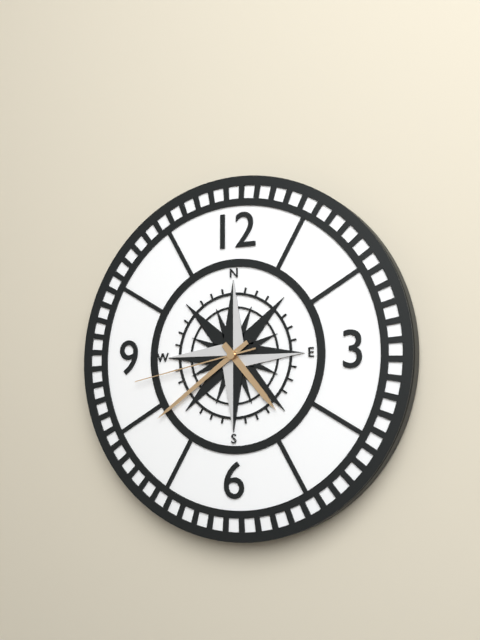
4:39:43
